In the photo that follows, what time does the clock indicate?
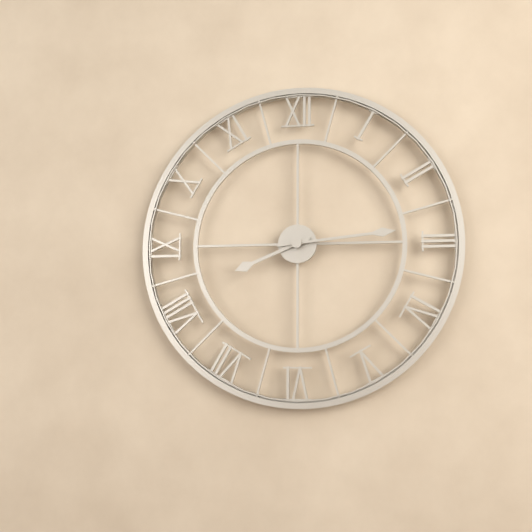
8:14
